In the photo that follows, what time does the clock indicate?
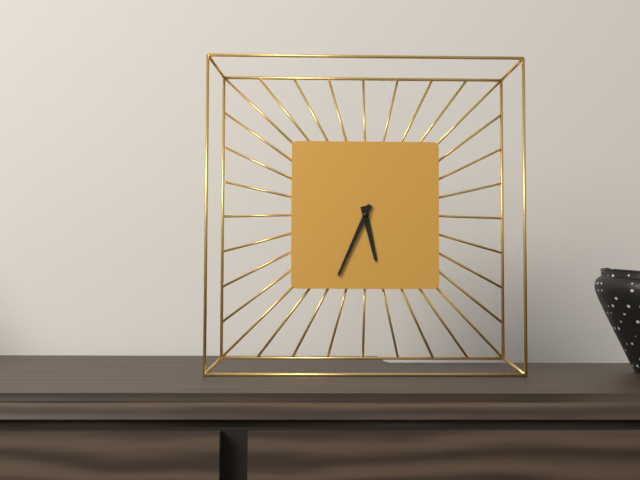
5:34
